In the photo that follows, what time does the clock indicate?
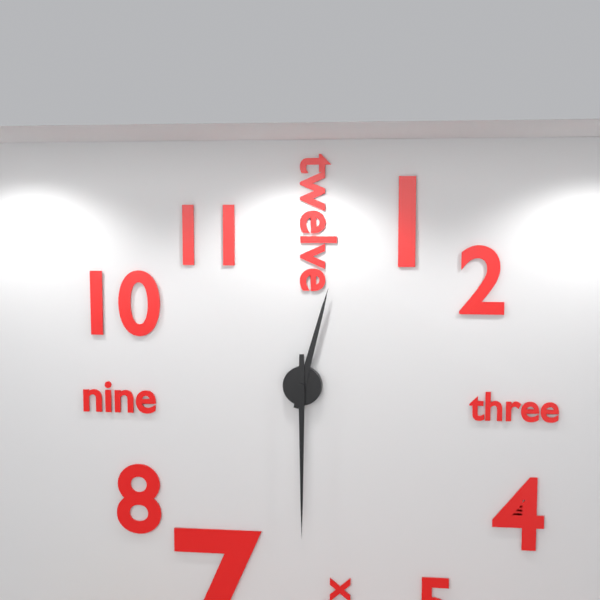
12:30
